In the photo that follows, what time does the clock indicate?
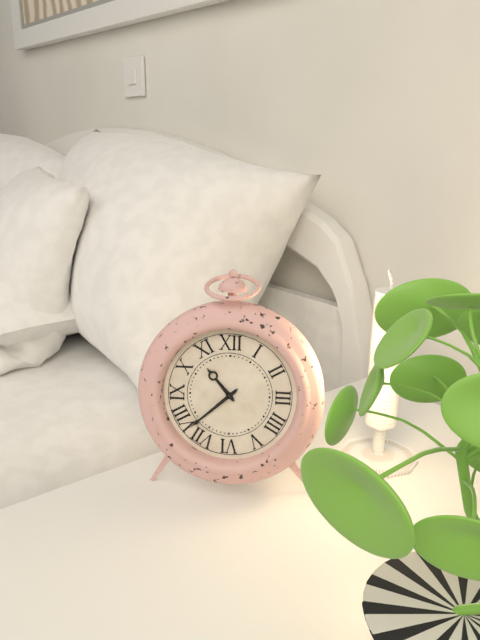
10:38
